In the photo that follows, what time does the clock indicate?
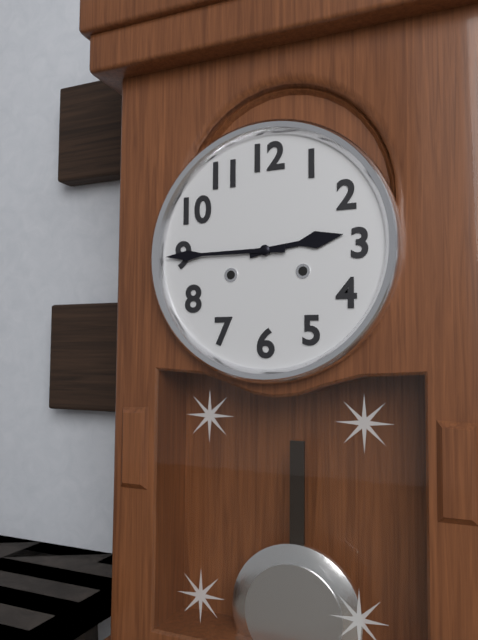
2:45
